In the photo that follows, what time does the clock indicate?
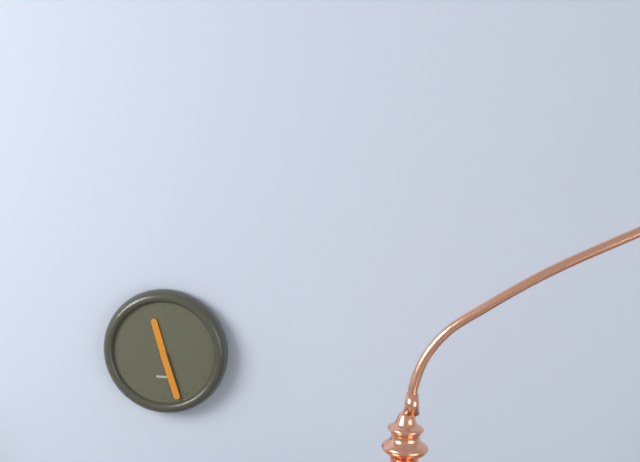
11:27
